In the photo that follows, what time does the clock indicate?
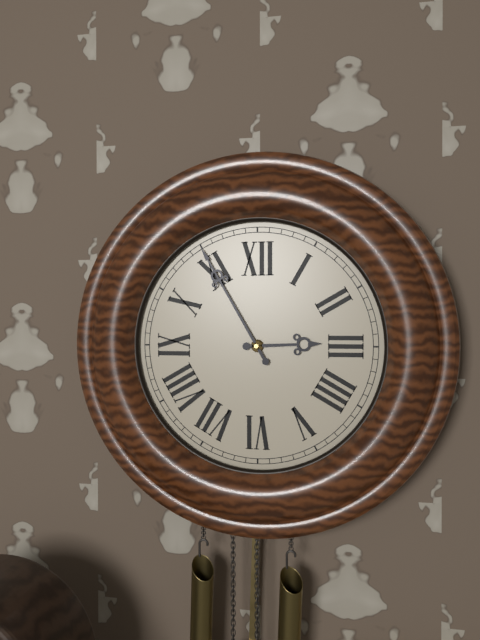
2:55
